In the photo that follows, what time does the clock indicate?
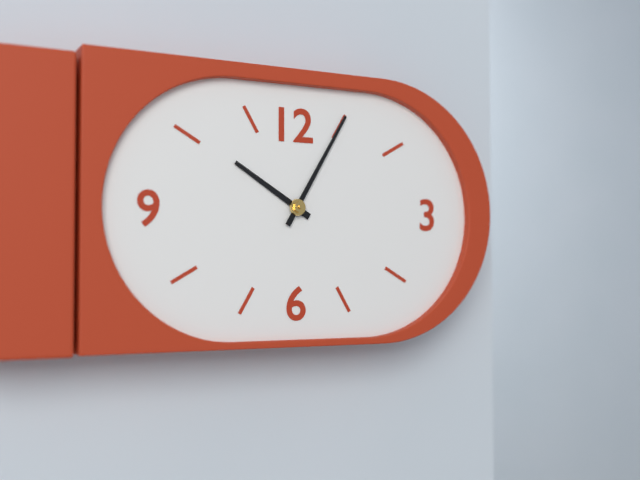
10:05
